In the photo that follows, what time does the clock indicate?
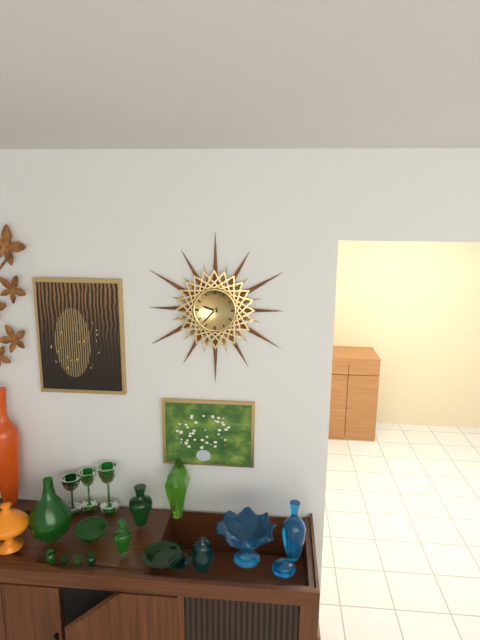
9:37
